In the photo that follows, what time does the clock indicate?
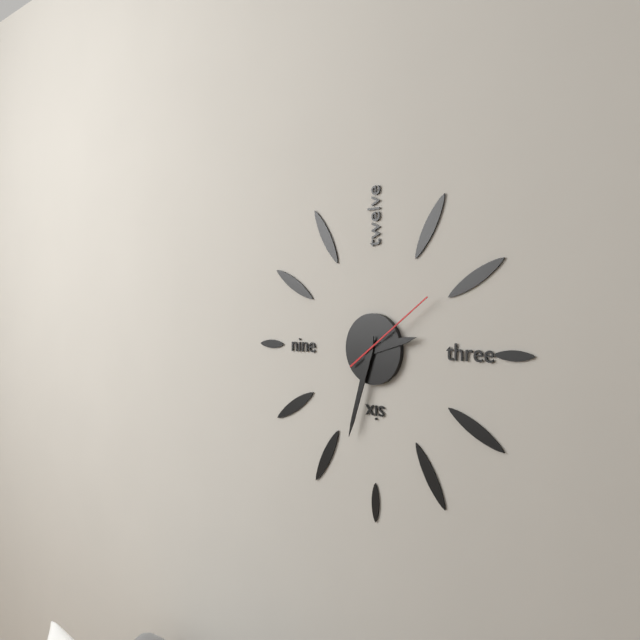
2:33:09
